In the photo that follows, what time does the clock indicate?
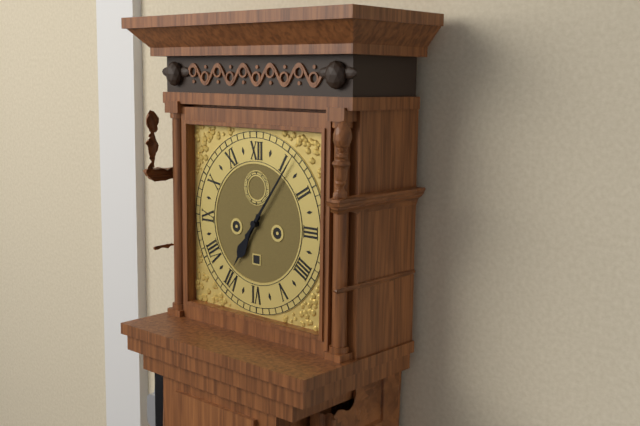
7:06
